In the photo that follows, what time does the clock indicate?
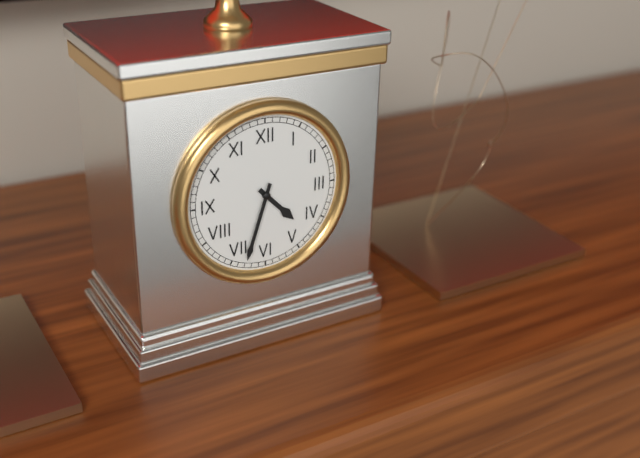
4:33
